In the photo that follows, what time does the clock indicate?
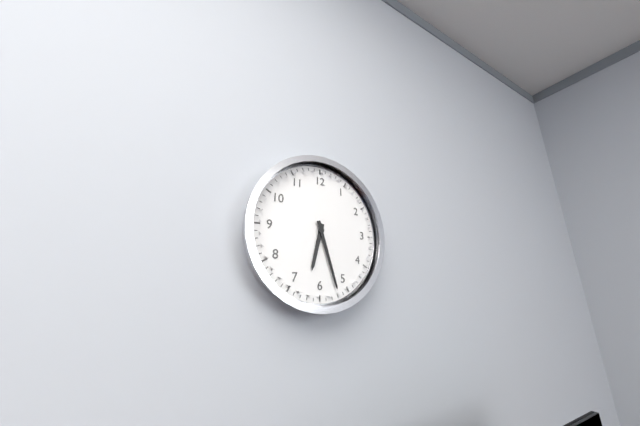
6:27
